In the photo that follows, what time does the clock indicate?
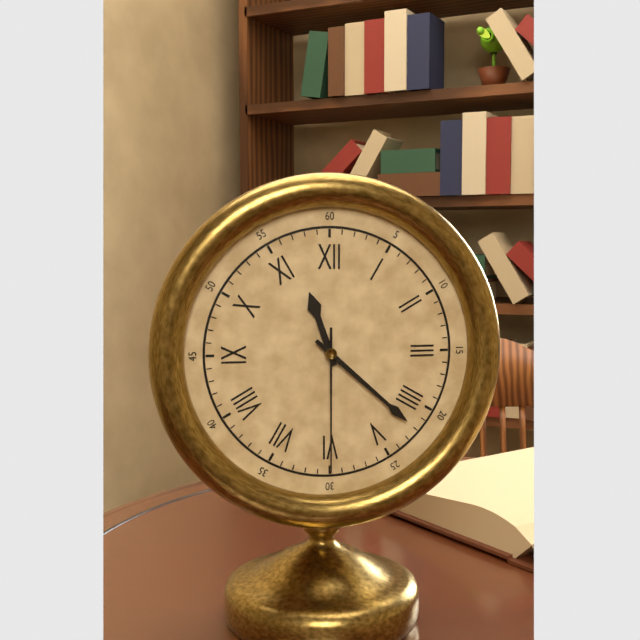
11:22:30
